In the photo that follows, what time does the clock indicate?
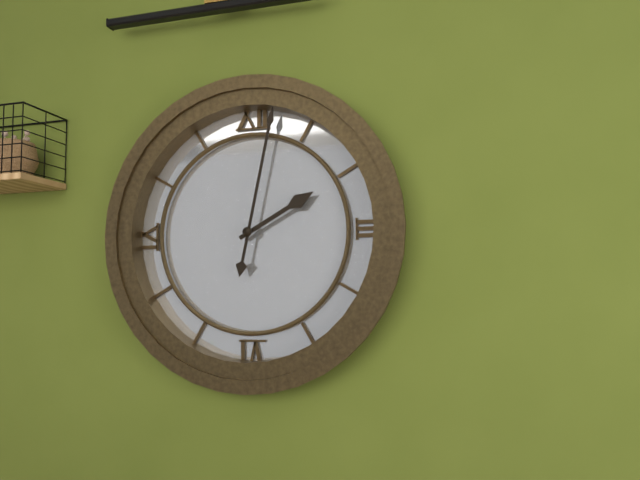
2:02
